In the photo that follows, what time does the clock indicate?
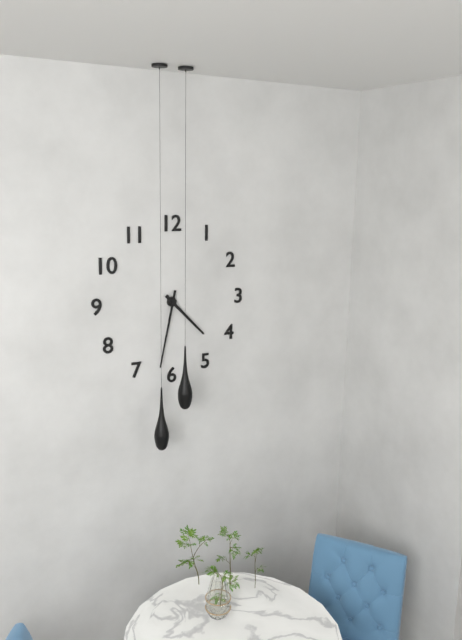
4:32
